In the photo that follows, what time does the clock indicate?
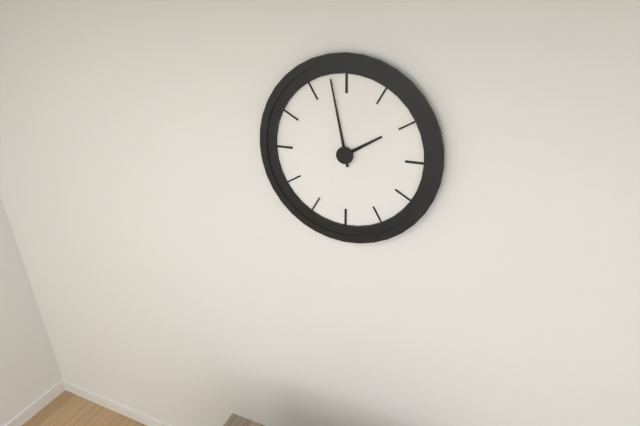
1:58
